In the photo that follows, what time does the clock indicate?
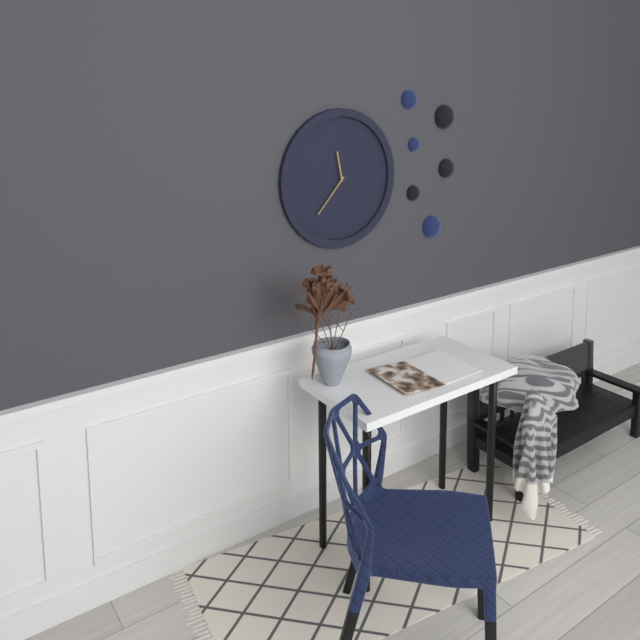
11:37
